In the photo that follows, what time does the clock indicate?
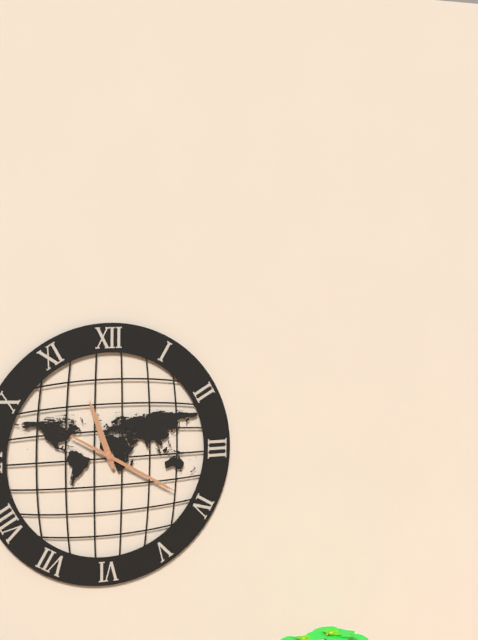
11:20
